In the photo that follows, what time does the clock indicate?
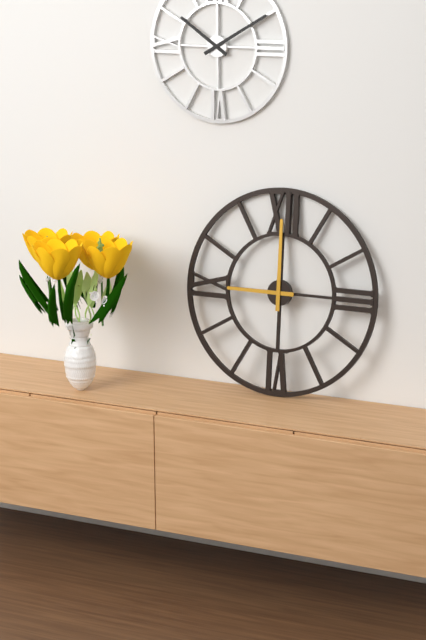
9:00
